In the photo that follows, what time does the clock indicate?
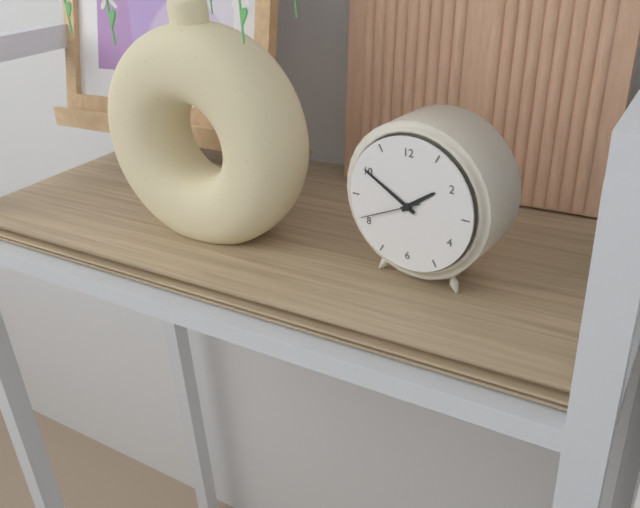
1:50:41
